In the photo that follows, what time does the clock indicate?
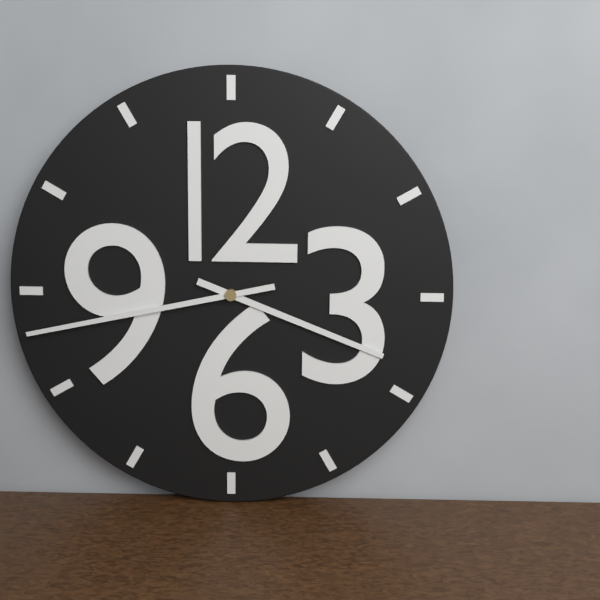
3:43
